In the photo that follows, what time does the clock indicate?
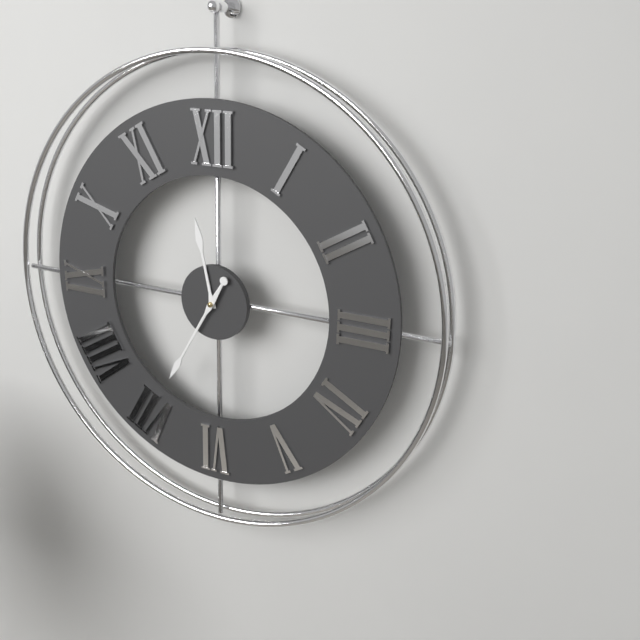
11:35
